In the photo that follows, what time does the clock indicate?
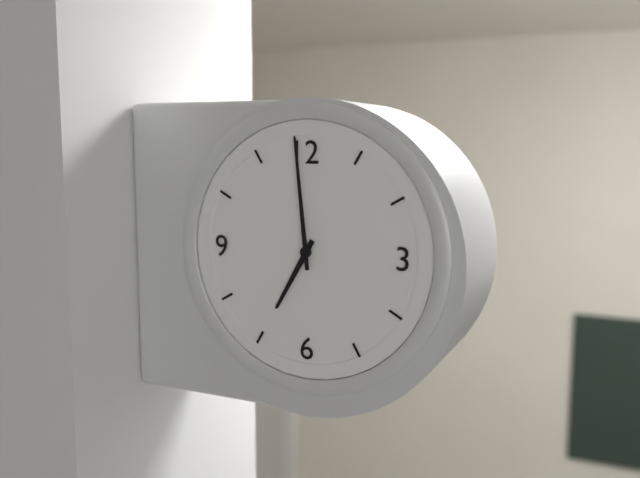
6:59
